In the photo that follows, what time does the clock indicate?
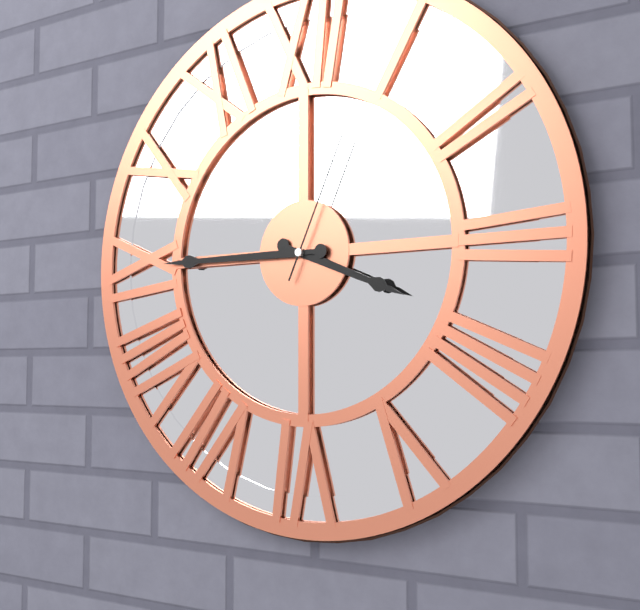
3:45:04
